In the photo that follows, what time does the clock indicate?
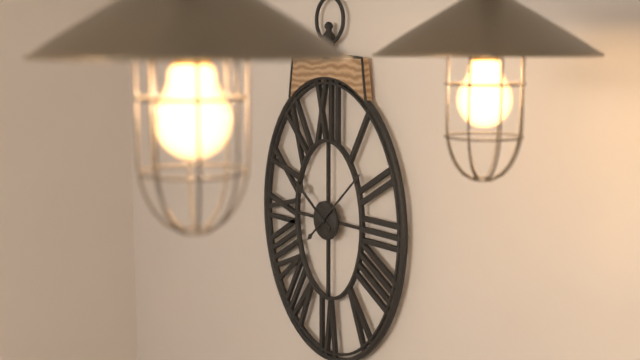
10:08
